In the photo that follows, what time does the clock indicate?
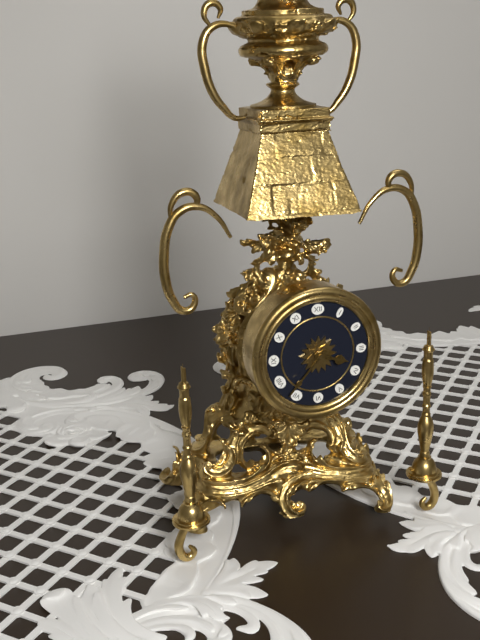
3:37
